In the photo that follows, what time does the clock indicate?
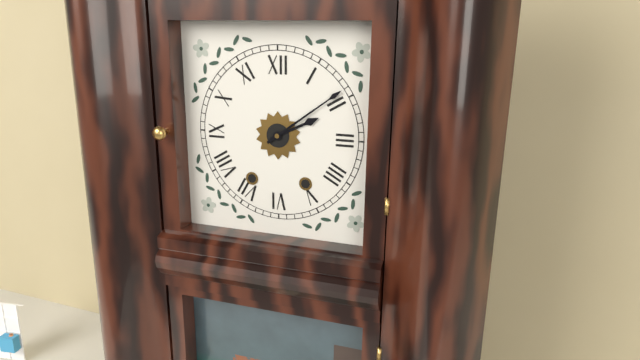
2:09
